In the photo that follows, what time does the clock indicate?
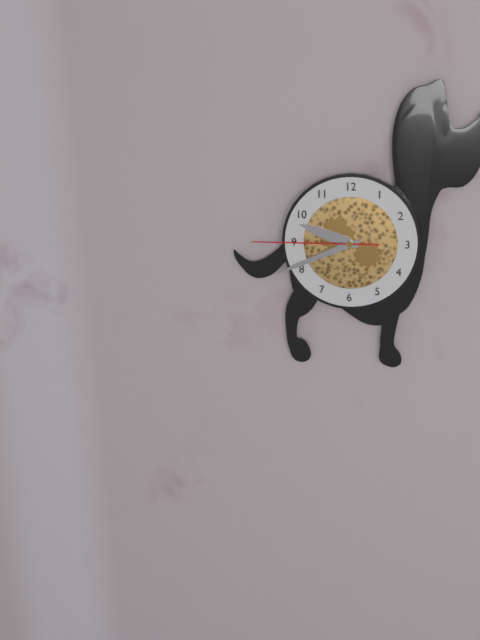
9:41:45
